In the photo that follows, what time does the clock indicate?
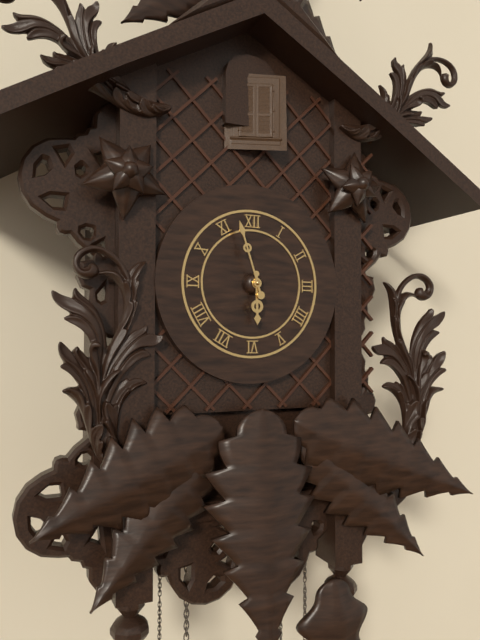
5:57
